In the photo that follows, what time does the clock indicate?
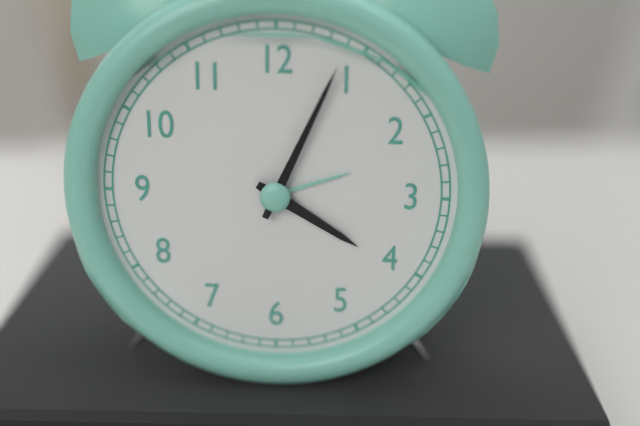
4:04
